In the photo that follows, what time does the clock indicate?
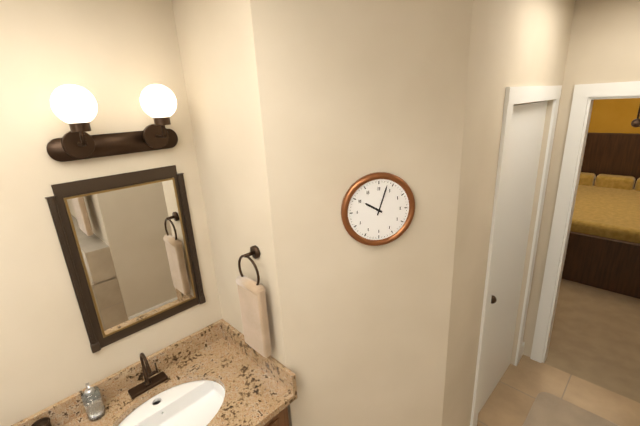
10:03
